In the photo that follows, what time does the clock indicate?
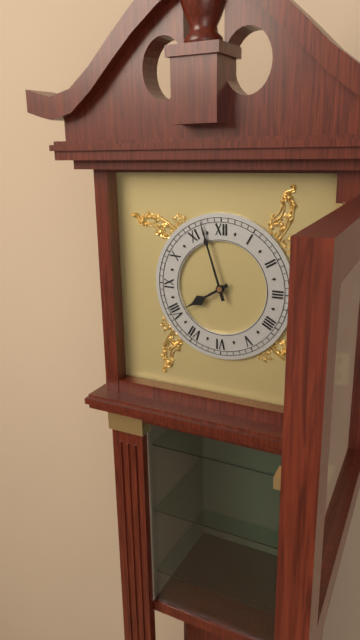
7:57
